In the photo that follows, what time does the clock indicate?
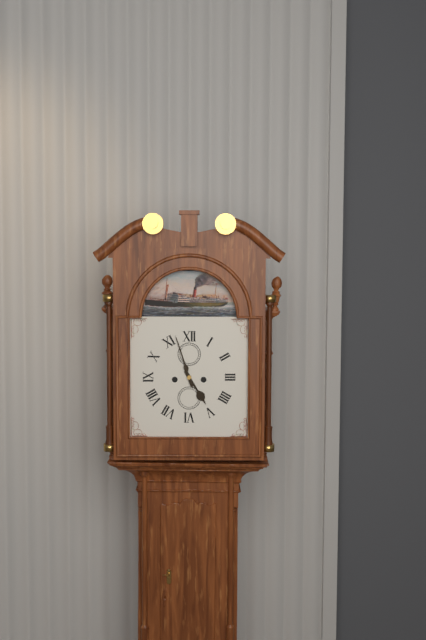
4:57
